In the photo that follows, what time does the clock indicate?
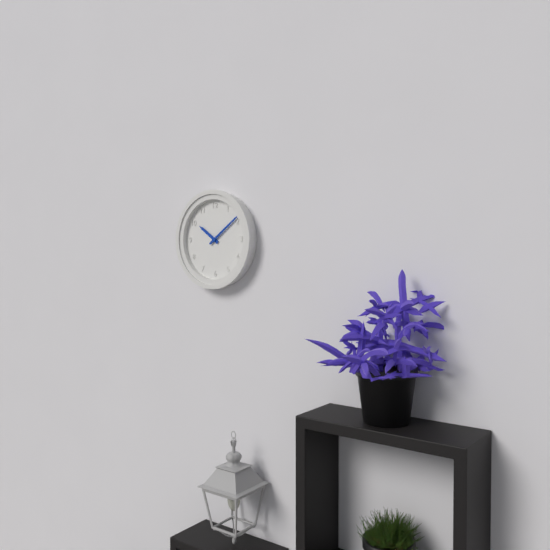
10:09
